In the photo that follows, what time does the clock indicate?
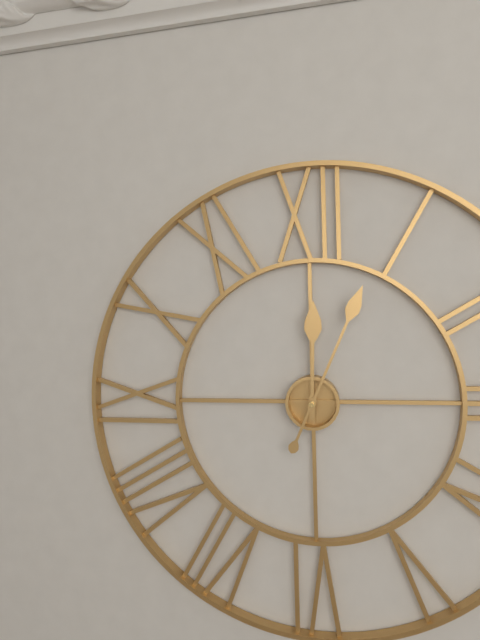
12:04
